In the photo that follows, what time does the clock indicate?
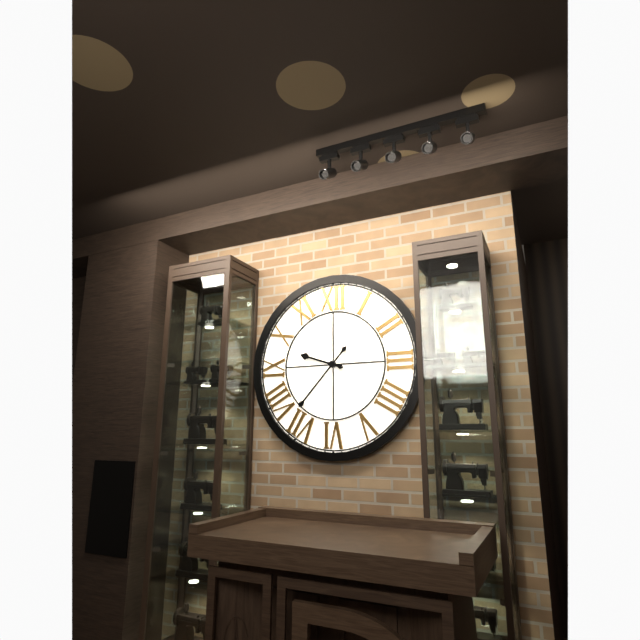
9:37
